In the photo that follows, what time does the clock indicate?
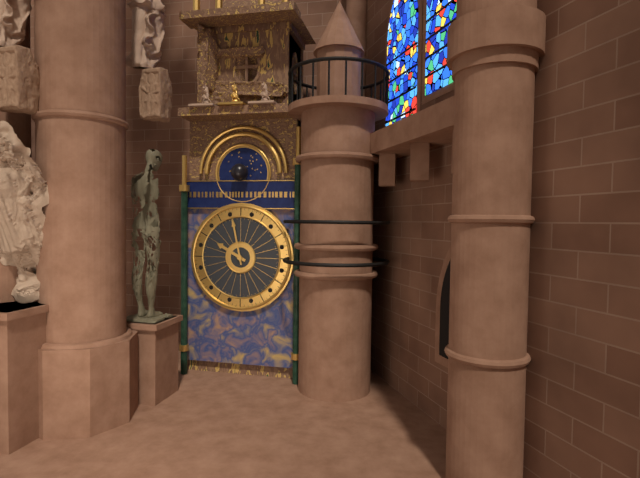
9:58
